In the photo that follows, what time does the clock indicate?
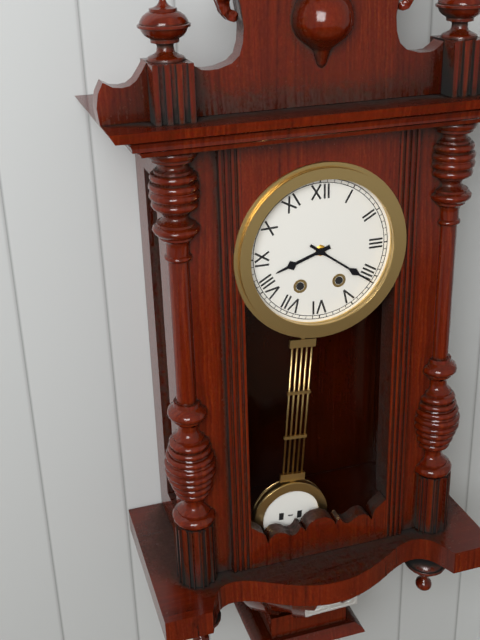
8:21
